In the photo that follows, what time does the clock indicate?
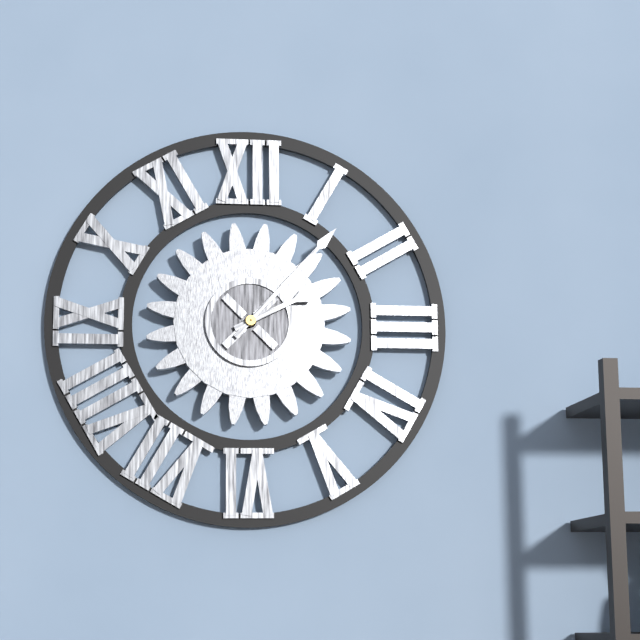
2:07
